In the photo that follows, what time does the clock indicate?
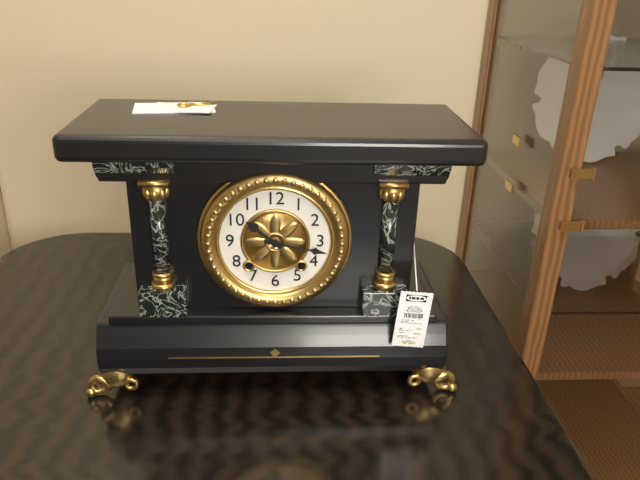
10:17
